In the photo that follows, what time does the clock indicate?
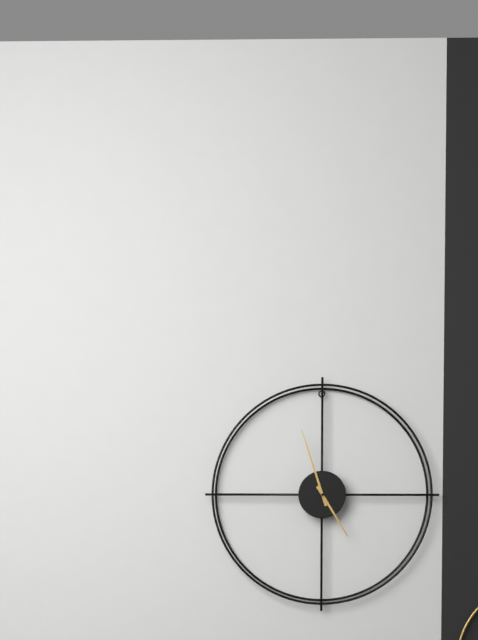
4:57
